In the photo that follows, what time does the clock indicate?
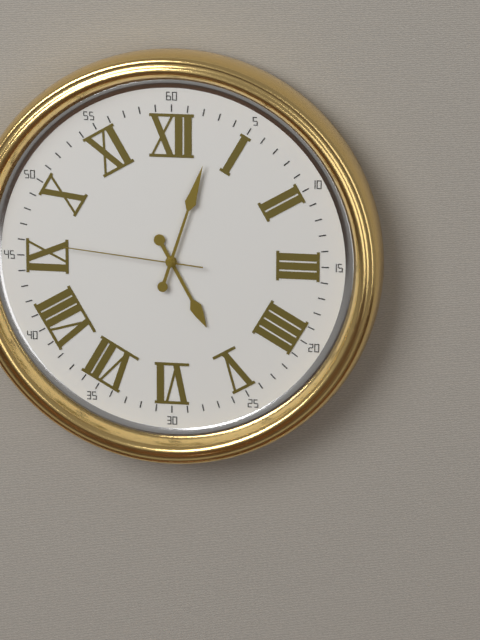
5:03:46
